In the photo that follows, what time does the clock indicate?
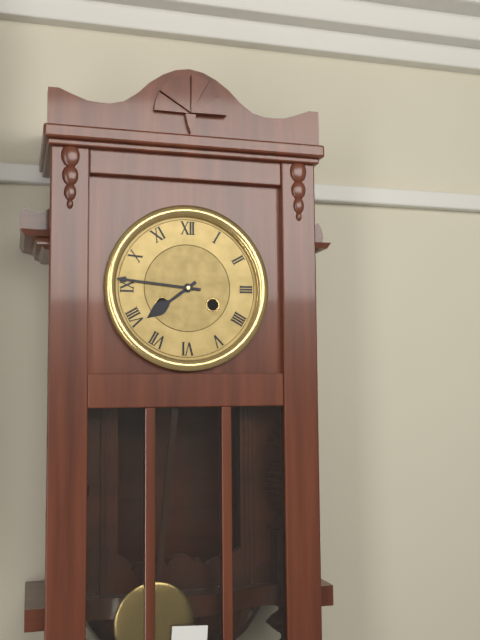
7:46
